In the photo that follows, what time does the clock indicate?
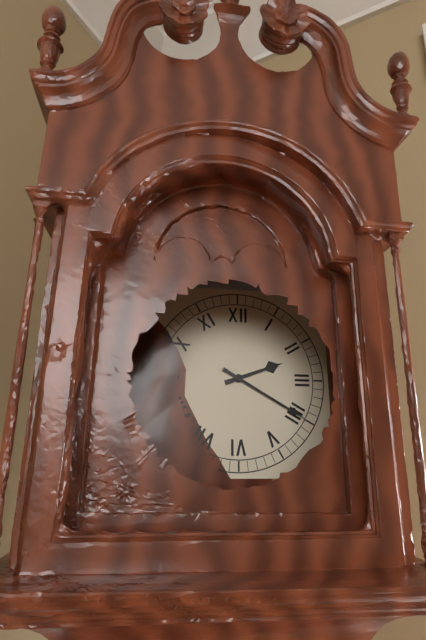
2:20
